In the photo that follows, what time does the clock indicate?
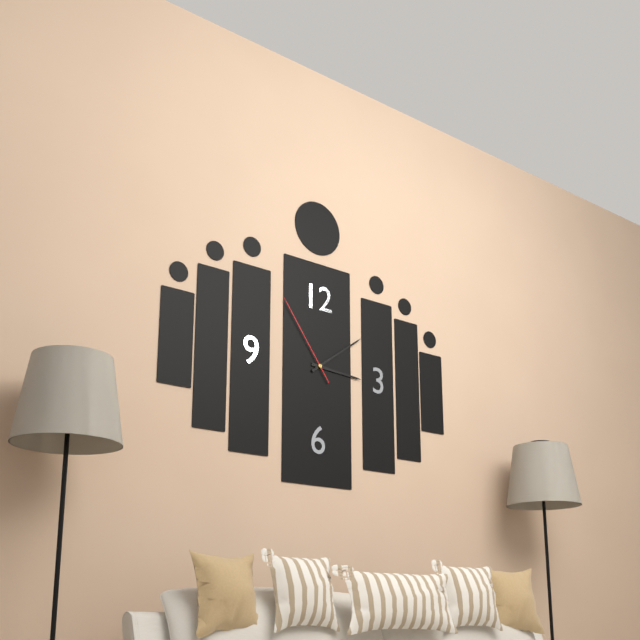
3:09:54
